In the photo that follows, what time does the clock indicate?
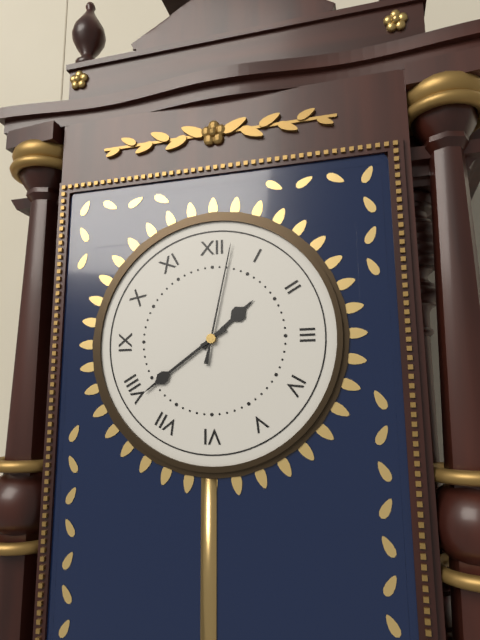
1:39:02
